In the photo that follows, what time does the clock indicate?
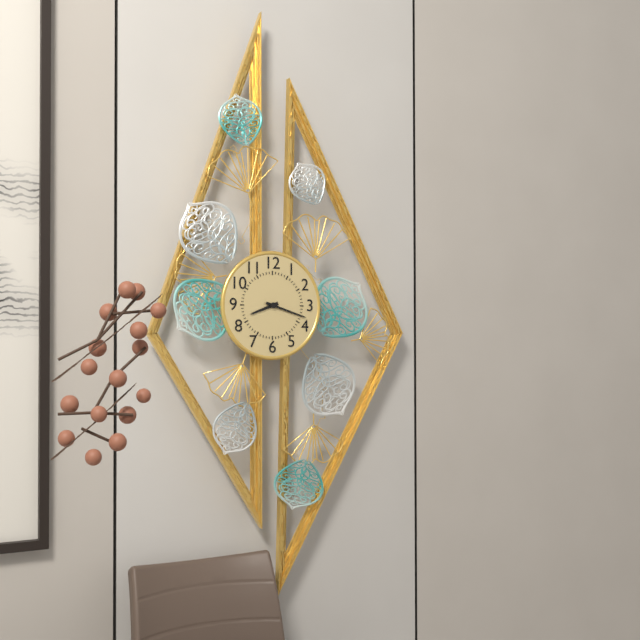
8:18
